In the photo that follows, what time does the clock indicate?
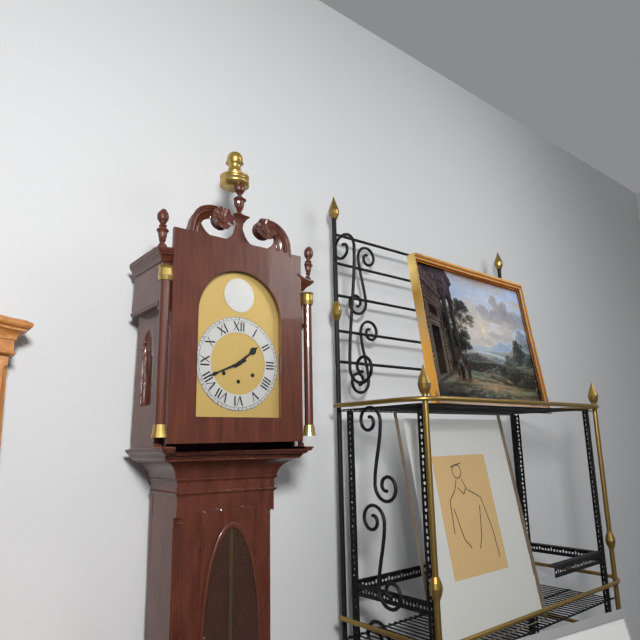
1:41
